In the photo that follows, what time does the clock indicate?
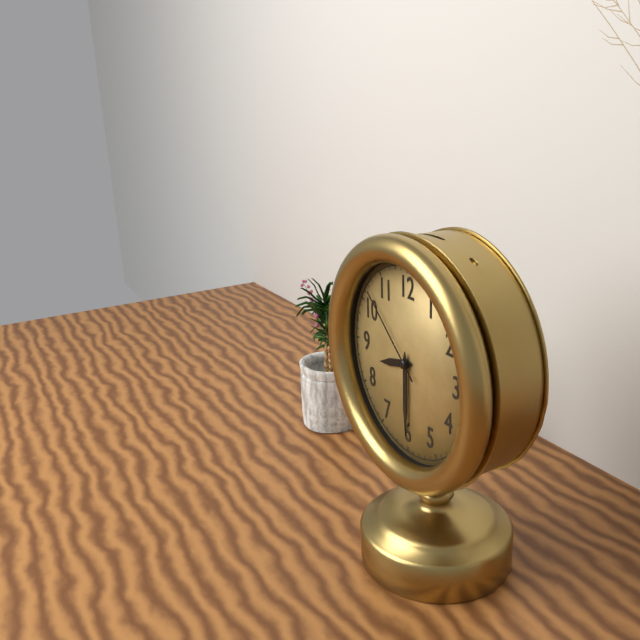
8:30:52
